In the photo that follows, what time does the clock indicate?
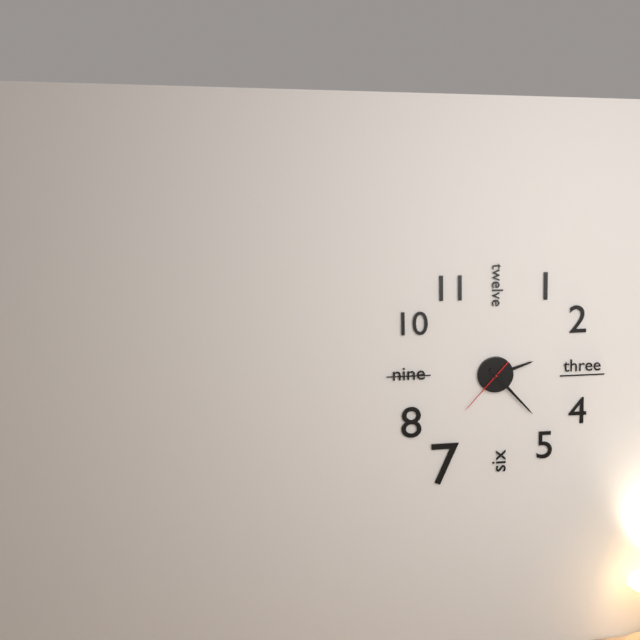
2:23:37
